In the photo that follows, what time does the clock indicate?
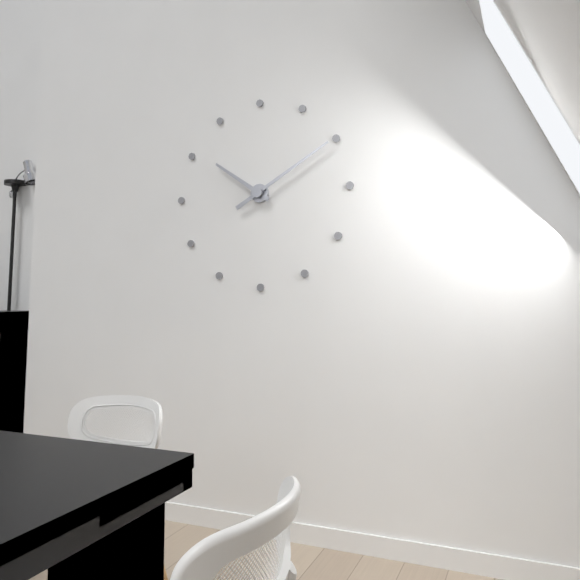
10:10
